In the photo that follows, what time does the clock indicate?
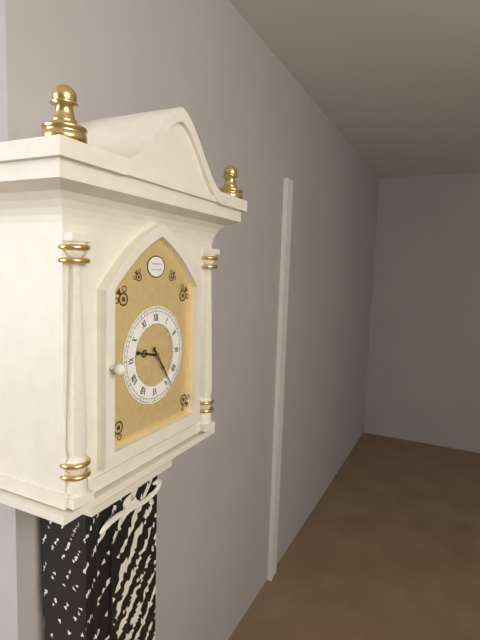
9:24
